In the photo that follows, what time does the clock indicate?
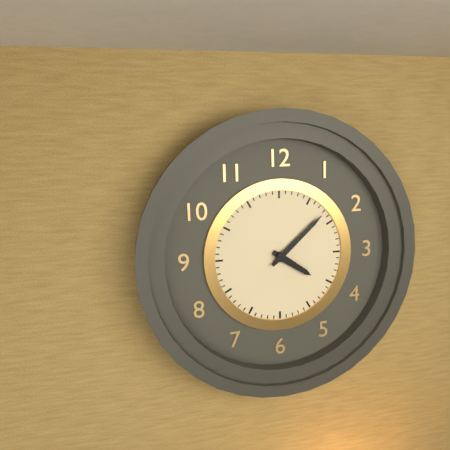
4:08
